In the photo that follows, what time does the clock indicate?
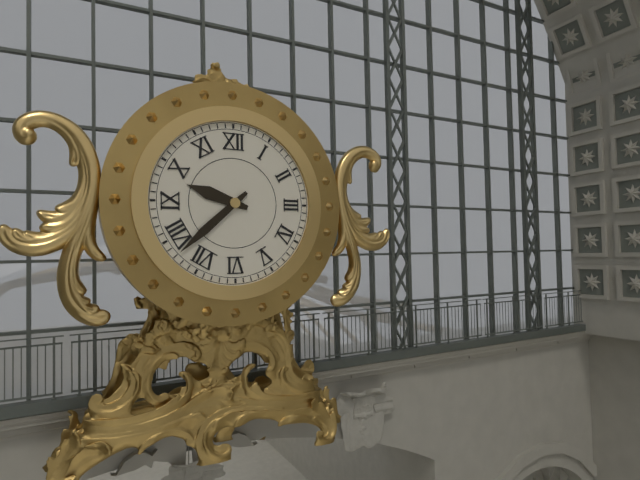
9:38
